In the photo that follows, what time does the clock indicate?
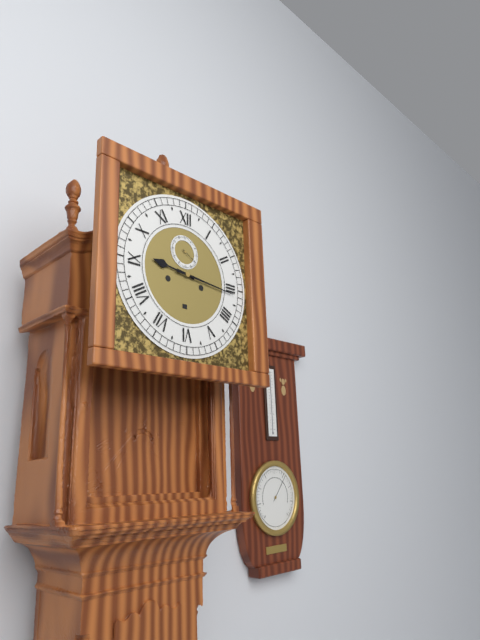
9:16
